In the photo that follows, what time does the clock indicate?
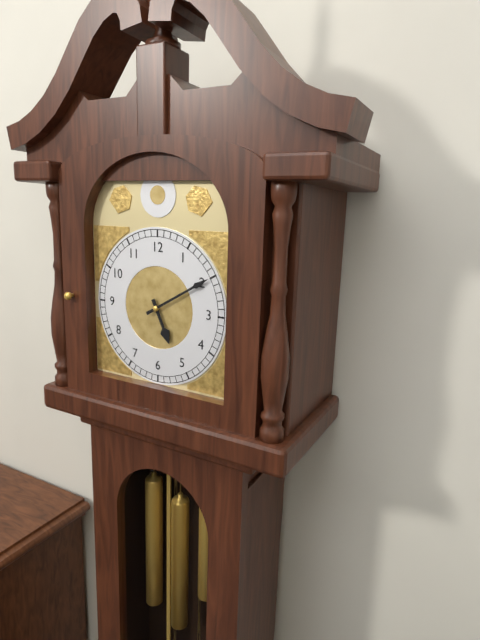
5:10
